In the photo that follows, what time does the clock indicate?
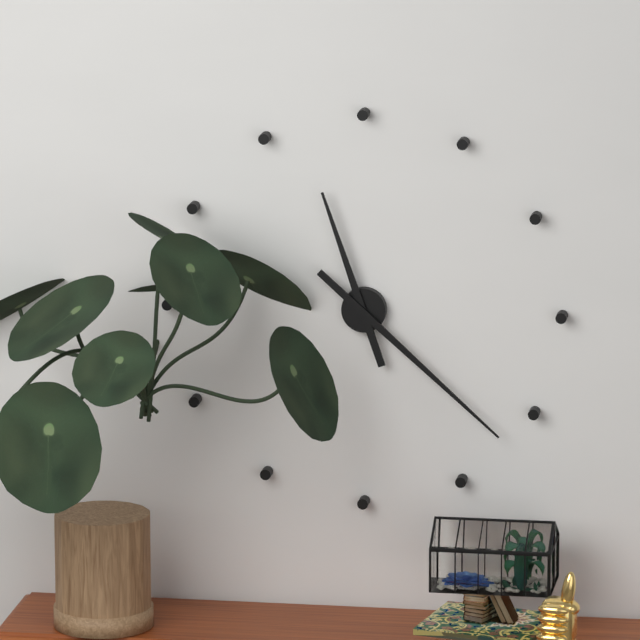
11:22
